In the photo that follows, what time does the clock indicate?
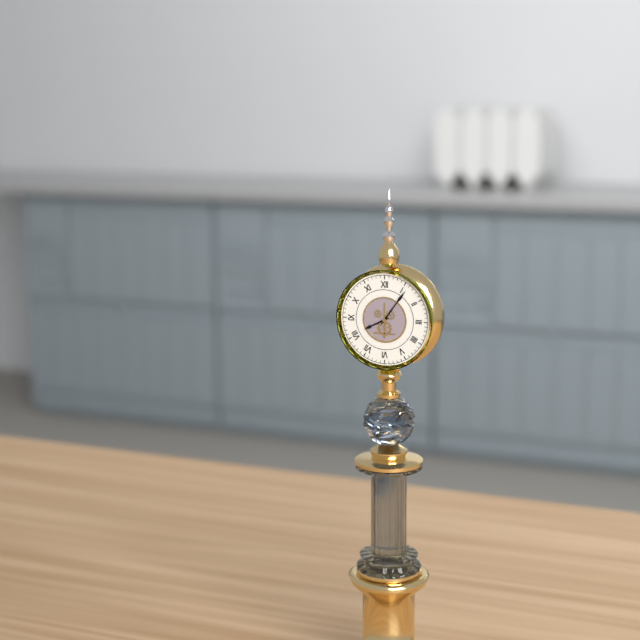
8:06
